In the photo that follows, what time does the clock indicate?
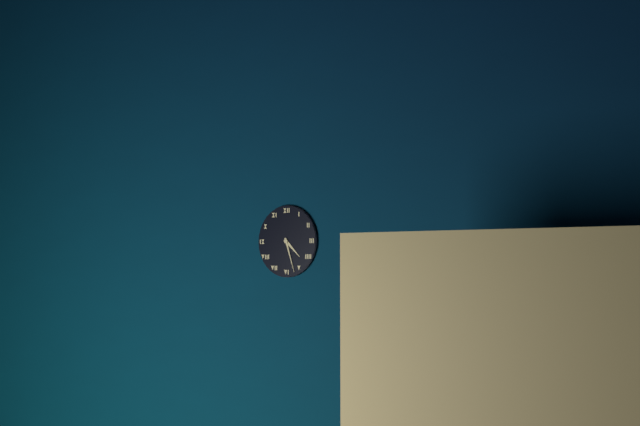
4:27
